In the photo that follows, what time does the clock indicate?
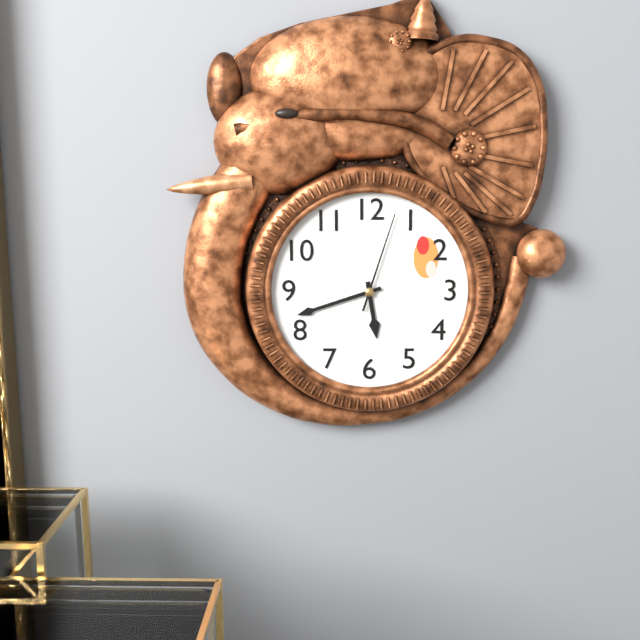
5:42:03
